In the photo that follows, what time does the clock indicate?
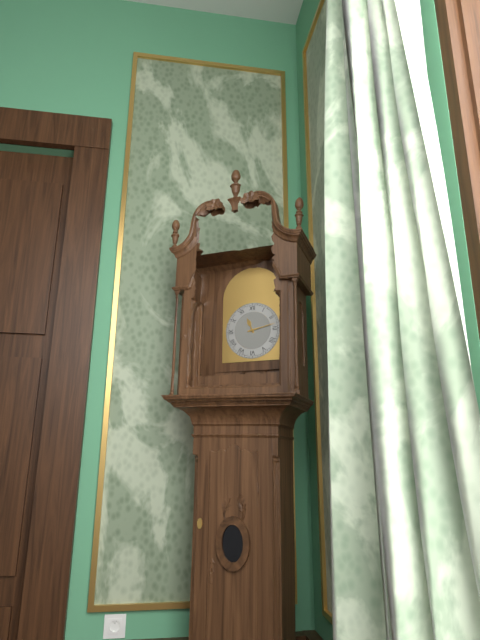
11:13
